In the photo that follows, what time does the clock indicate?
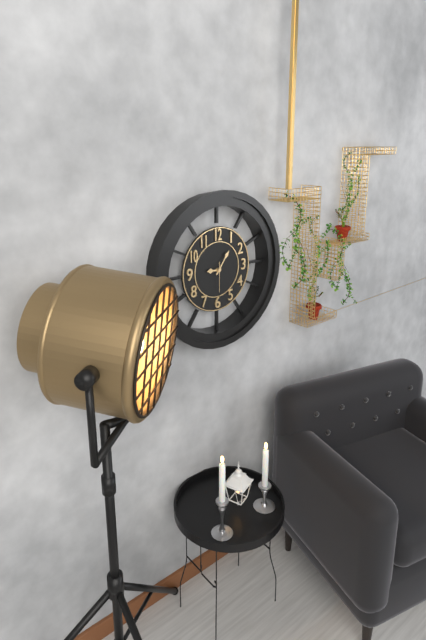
9:06
